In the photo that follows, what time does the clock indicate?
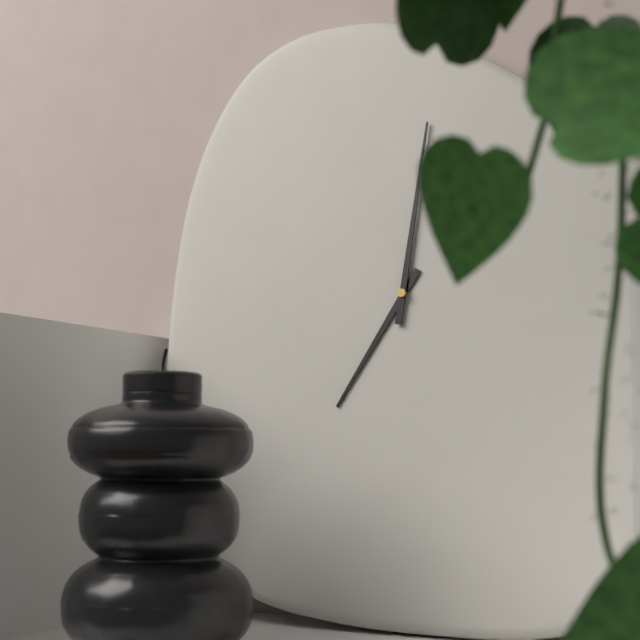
7:01
